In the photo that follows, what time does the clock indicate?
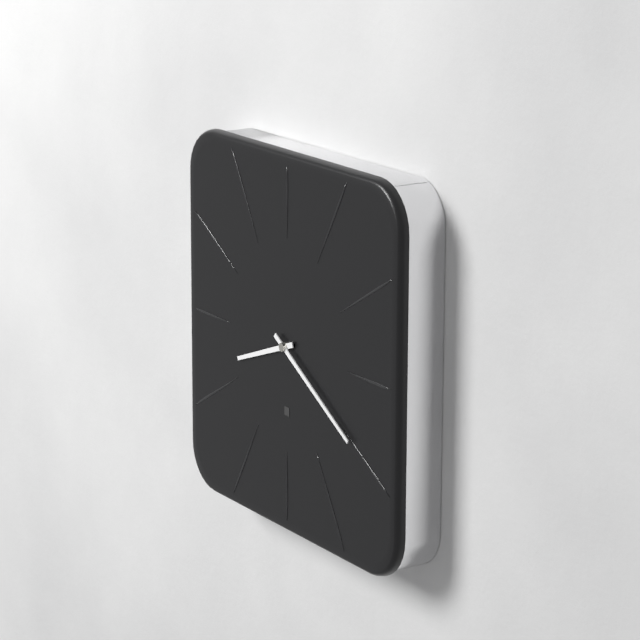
8:20
